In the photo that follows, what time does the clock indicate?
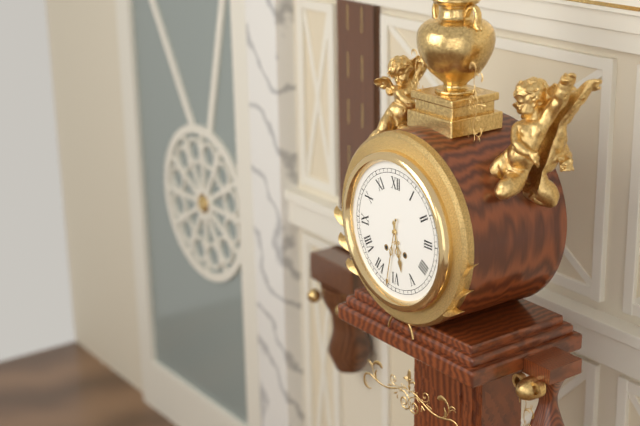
5:32
